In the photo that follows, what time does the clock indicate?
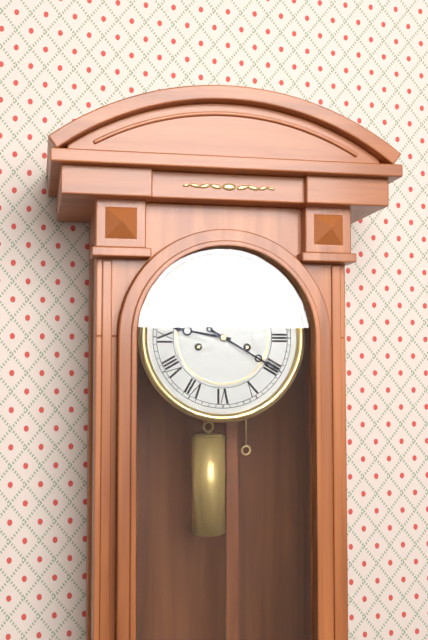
9:20
